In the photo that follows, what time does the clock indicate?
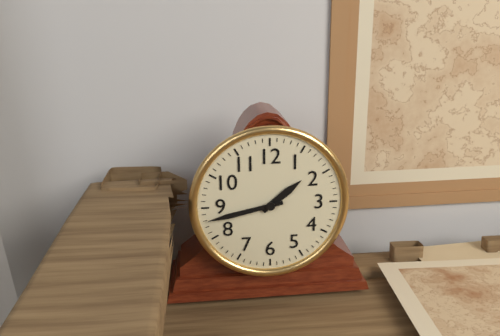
1:43
